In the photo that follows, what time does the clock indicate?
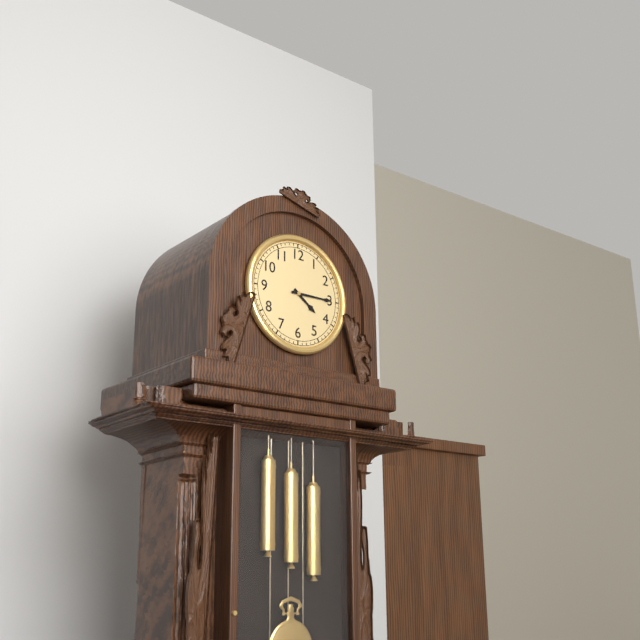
4:15
